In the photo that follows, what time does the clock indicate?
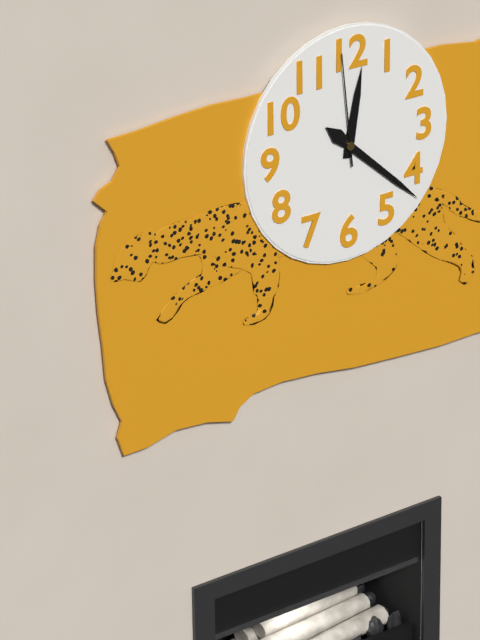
12:22:59
